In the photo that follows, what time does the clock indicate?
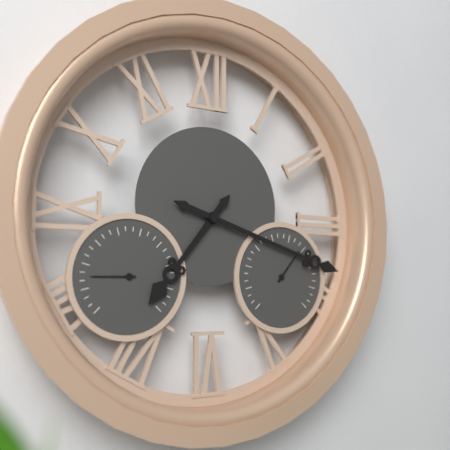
7:18
